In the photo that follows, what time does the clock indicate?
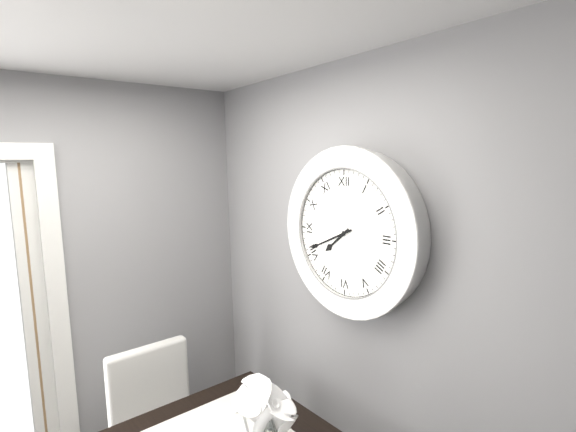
7:41
